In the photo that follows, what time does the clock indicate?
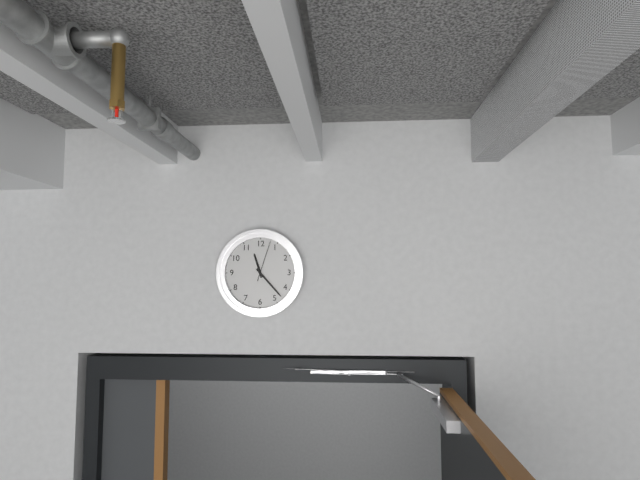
11:23
